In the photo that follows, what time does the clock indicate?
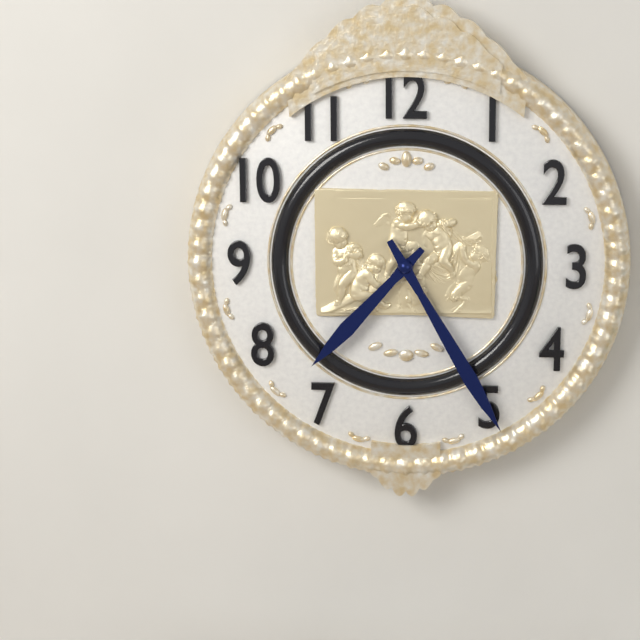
7:25
